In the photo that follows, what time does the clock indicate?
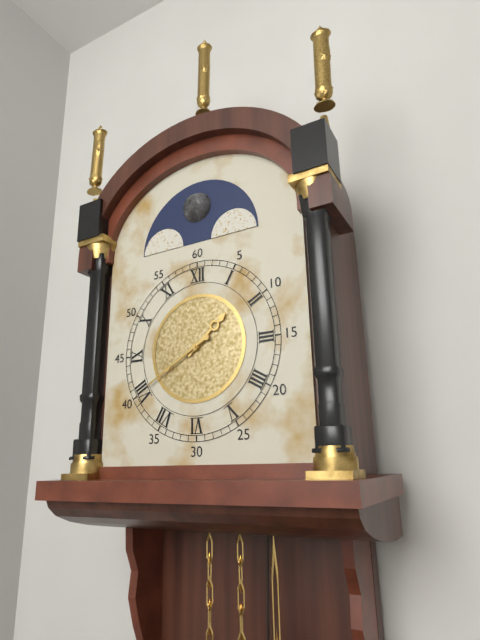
1:40
